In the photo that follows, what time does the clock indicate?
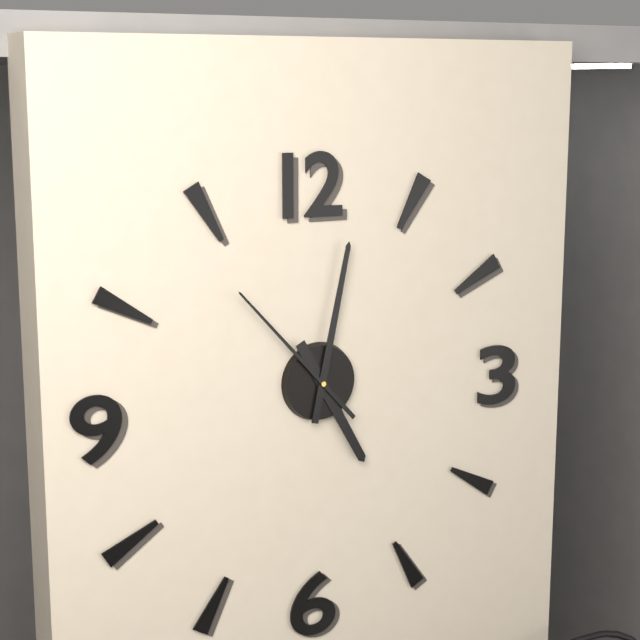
5:02:53
